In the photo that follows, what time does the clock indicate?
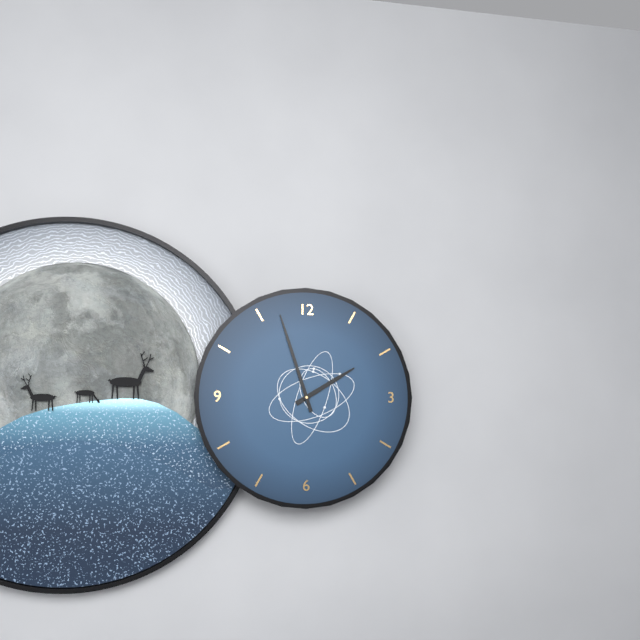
1:57
